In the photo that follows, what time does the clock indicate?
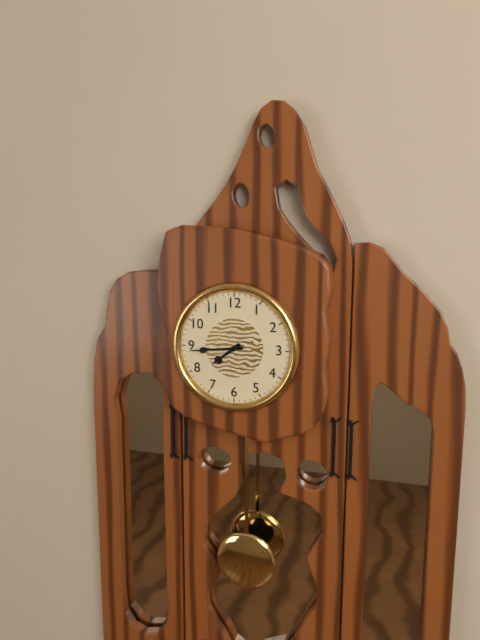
7:44
